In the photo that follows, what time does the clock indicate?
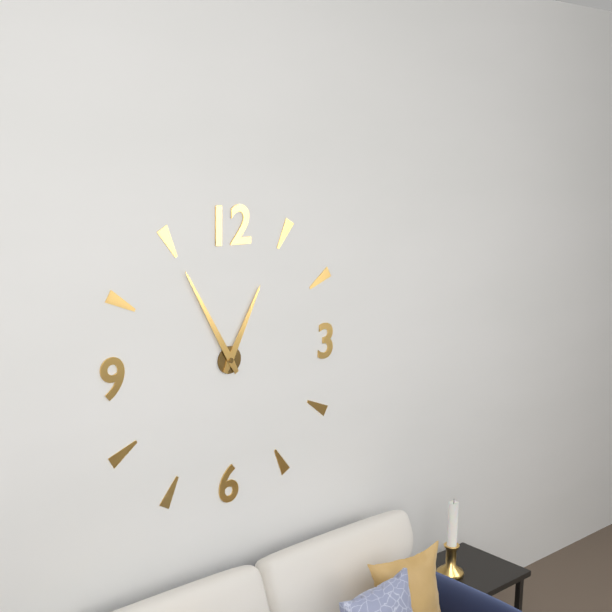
12:55
